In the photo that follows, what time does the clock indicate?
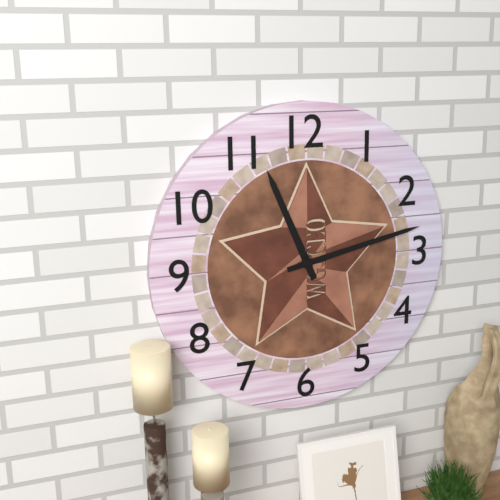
11:13
